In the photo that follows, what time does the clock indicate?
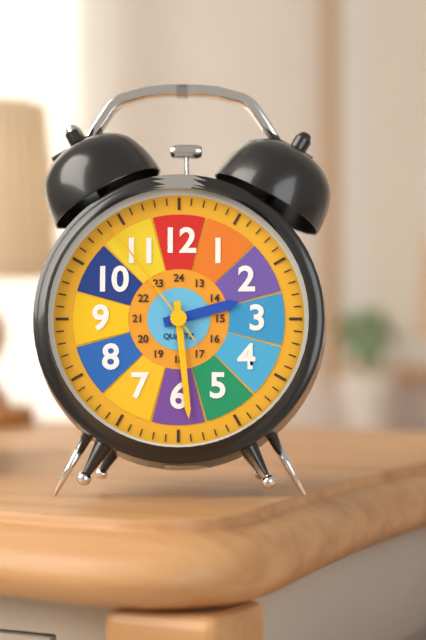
2:29:54
